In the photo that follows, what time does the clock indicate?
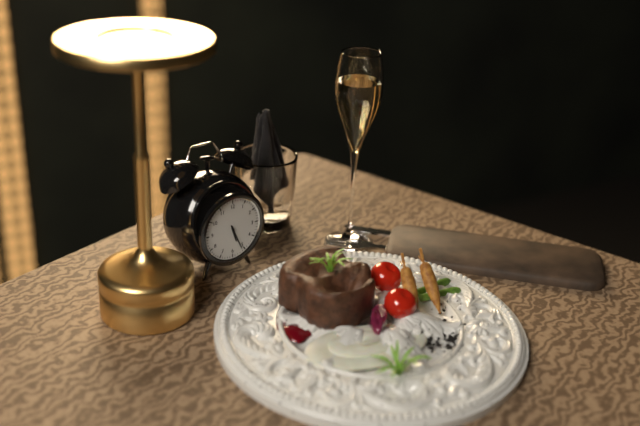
5:26
